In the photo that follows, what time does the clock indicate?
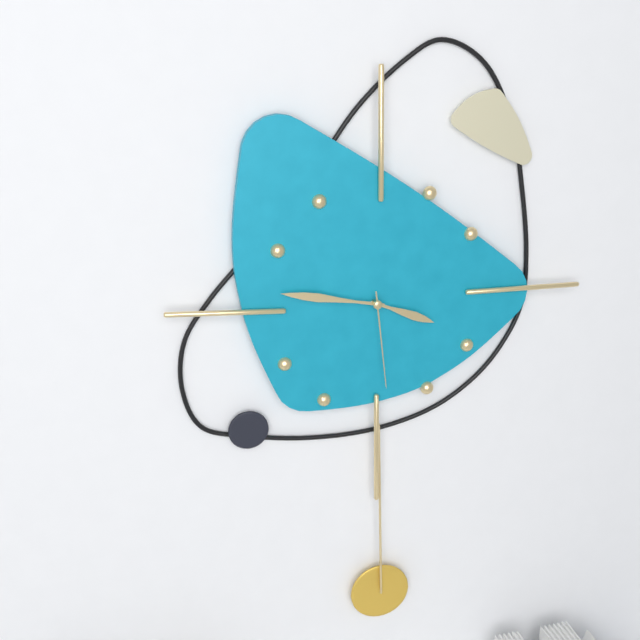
3:47:29
